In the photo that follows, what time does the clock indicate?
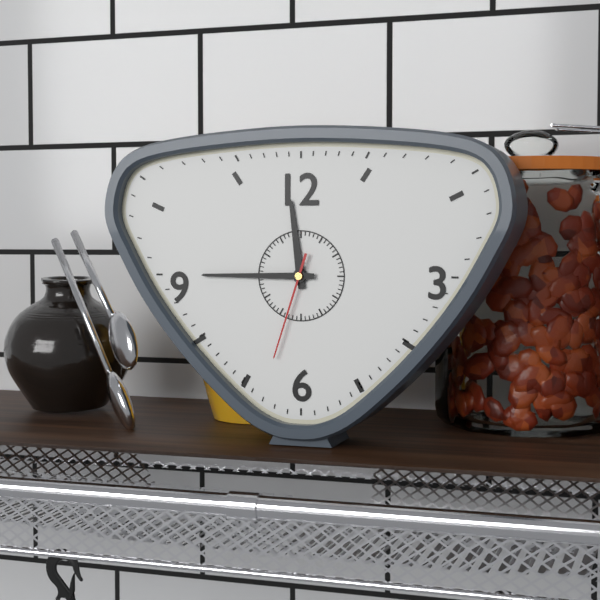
11:45:33
